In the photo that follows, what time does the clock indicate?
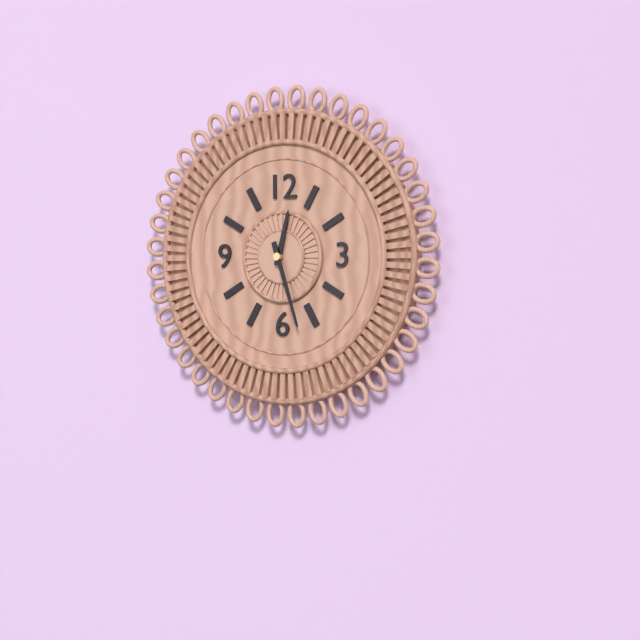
12:27
